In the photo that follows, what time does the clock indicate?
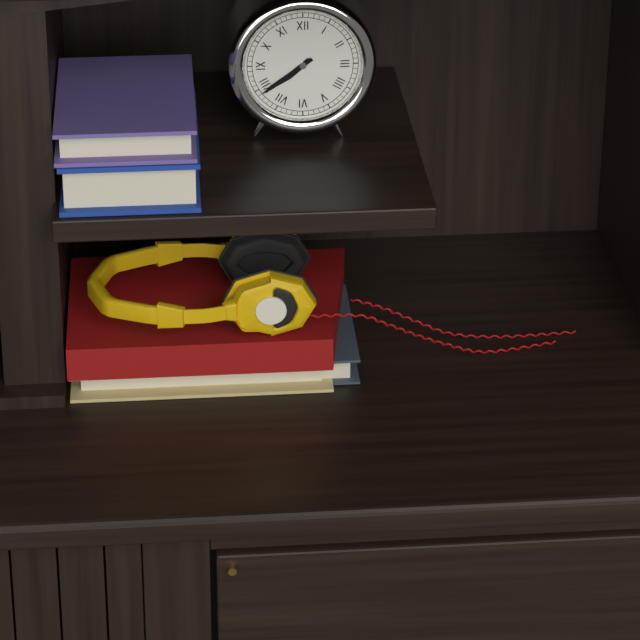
7:39
